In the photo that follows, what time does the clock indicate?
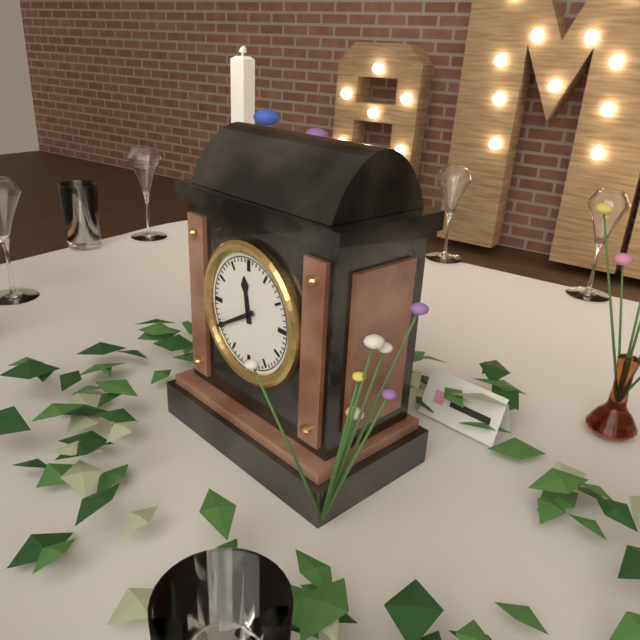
11:40
